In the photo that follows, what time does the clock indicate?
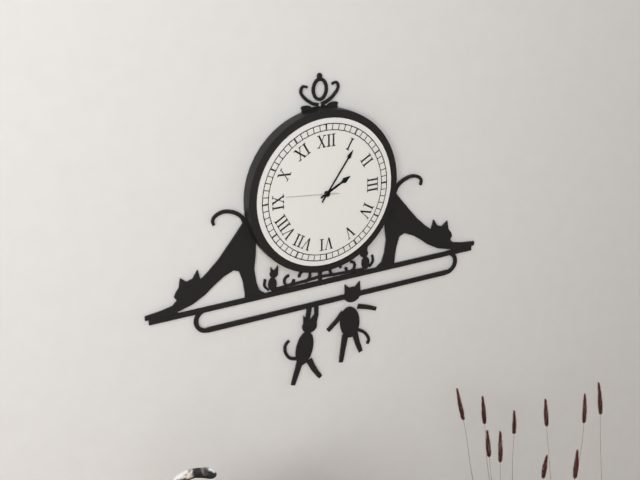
2:06:46
